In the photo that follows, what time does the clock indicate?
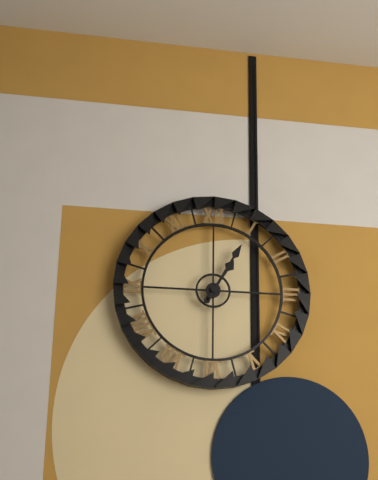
1:05
